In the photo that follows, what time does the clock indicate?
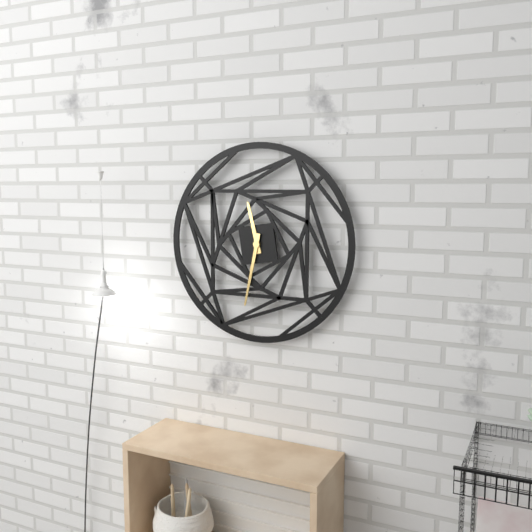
11:32
